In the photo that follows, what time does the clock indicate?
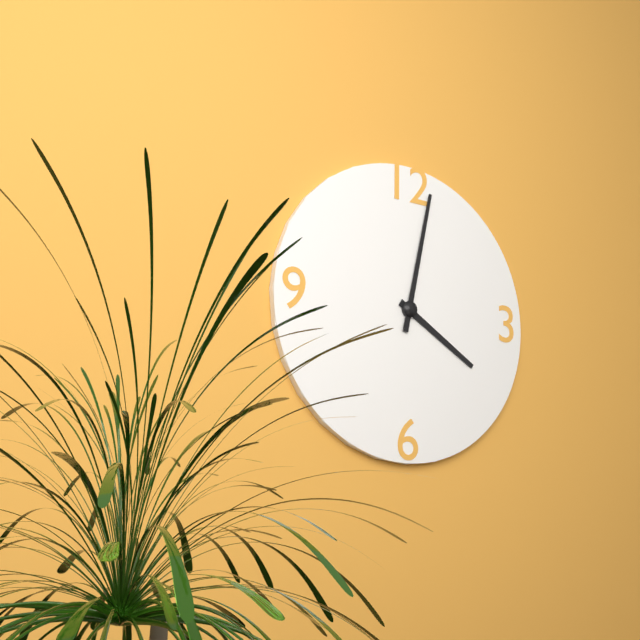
4:02
